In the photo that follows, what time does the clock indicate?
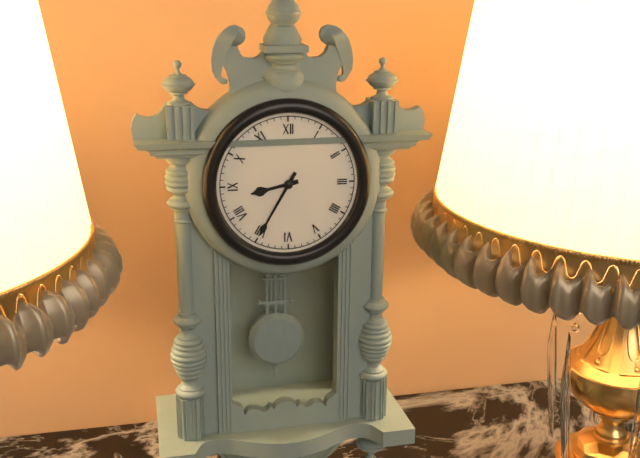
8:35
